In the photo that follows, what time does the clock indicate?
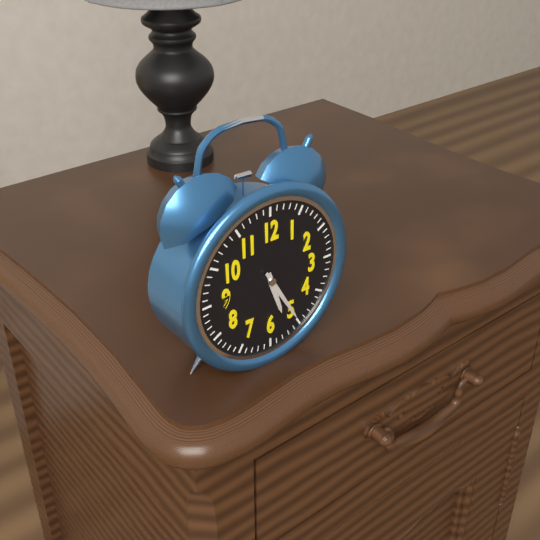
5:25
